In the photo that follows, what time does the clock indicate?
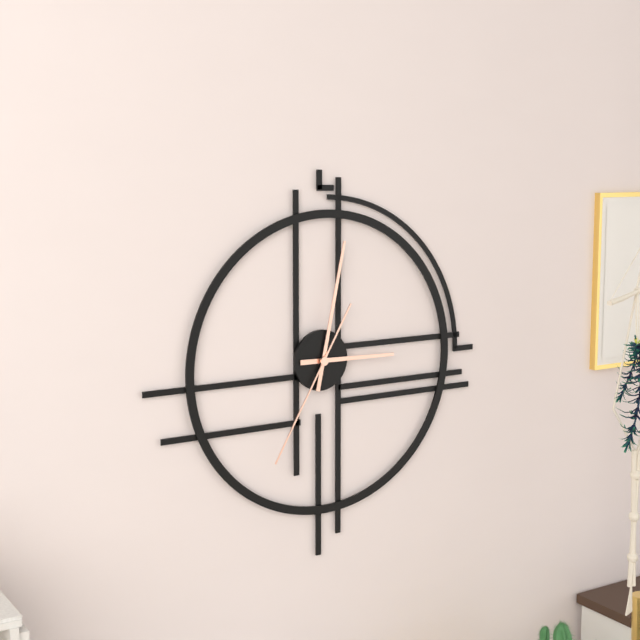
3:02:35
